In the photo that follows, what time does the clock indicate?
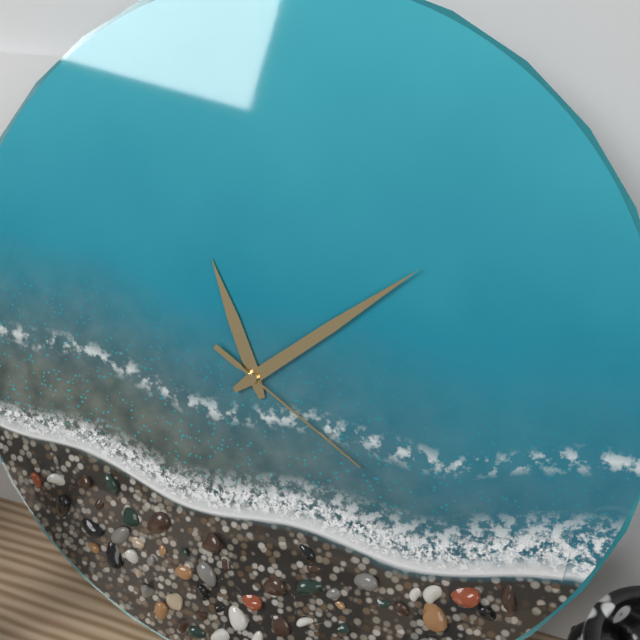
11:08:20
